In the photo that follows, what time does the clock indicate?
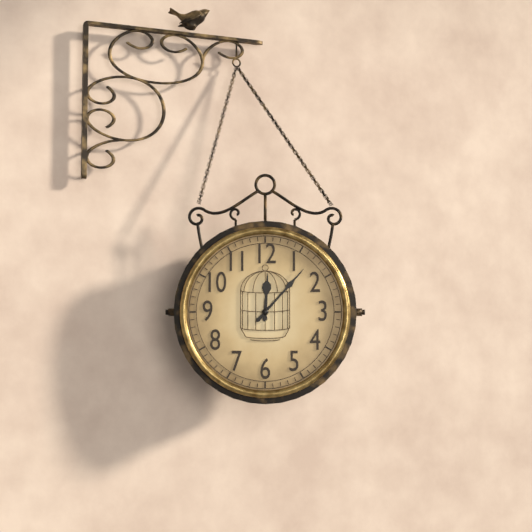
12:07
